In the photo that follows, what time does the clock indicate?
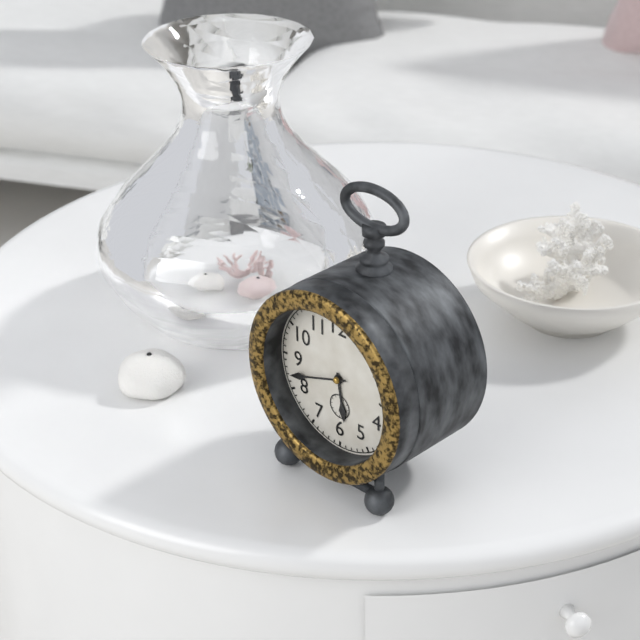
5:42
